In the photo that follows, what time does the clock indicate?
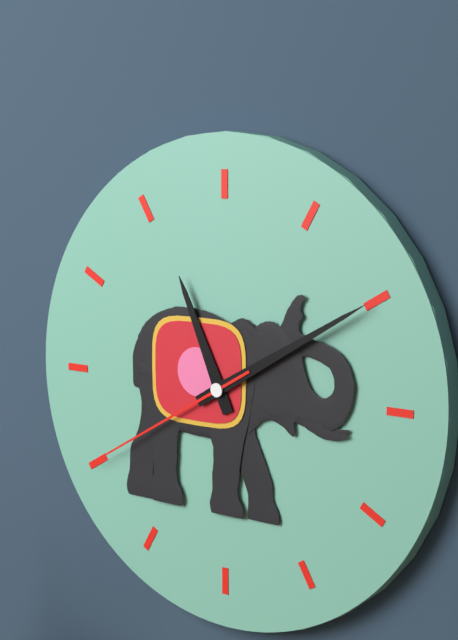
11:10:40
